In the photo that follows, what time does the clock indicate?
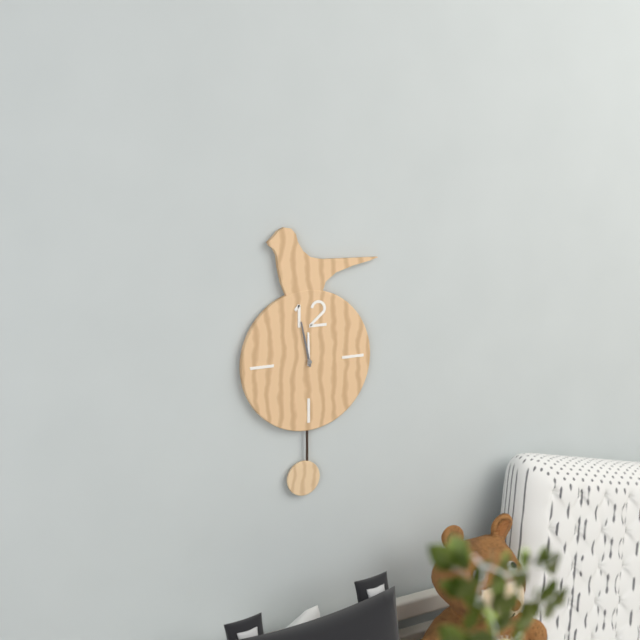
11:58
